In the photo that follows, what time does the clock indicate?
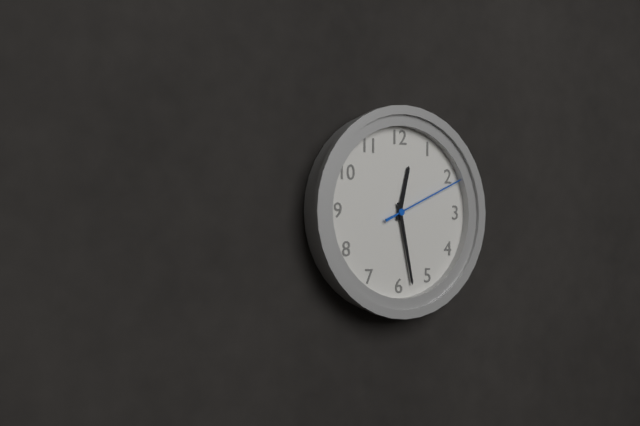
12:28:11
